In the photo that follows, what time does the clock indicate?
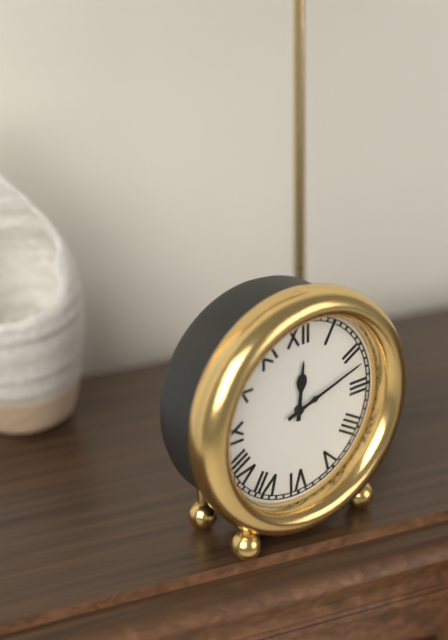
12:12
